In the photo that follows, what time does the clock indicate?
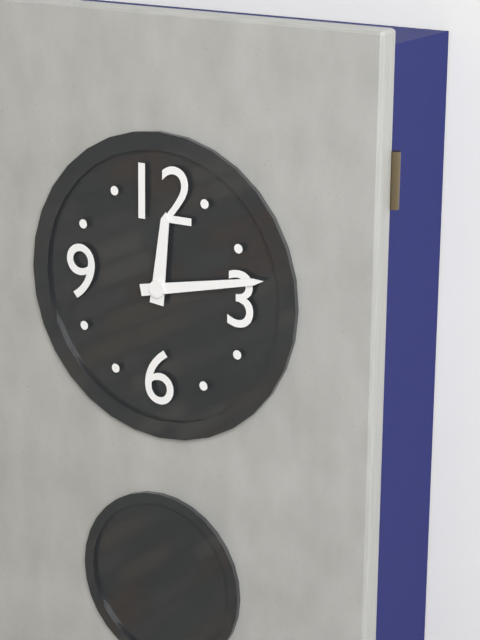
12:13
